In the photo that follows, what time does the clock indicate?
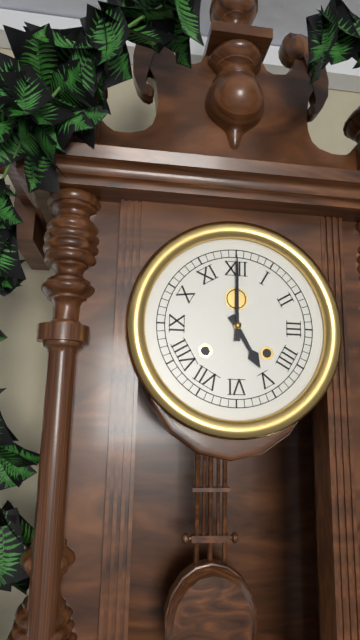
5:00
